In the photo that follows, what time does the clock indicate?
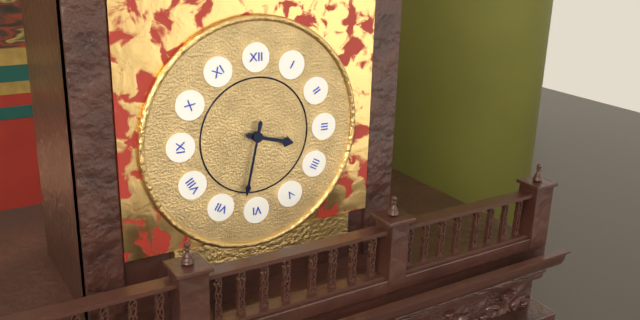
3:32
